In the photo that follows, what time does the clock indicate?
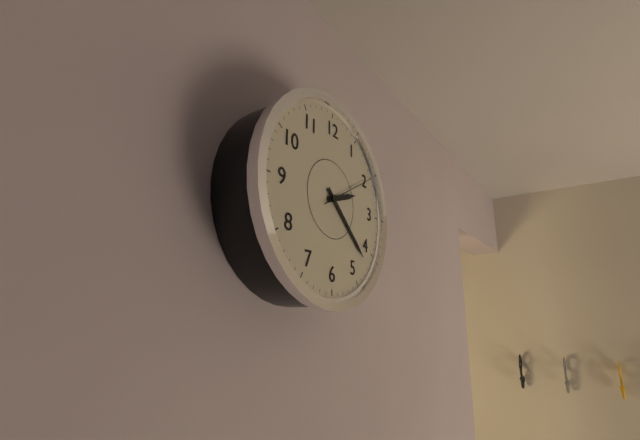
2:22
